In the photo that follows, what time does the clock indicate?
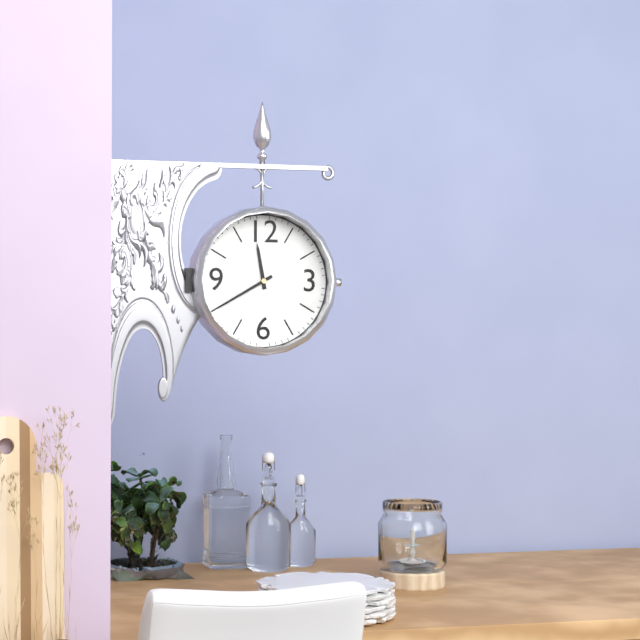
11:40
